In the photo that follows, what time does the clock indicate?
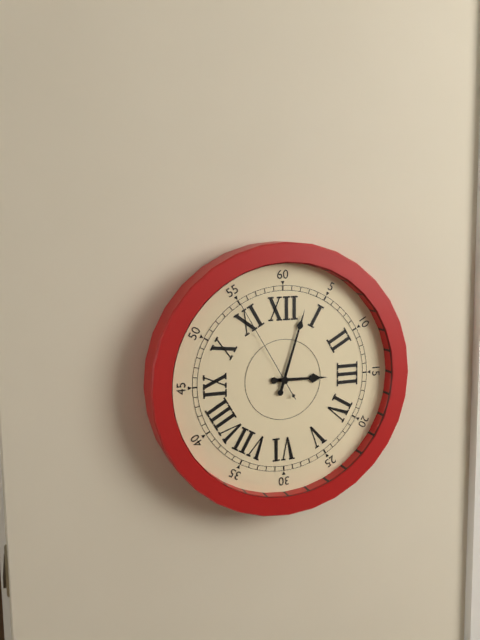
3:03:55
